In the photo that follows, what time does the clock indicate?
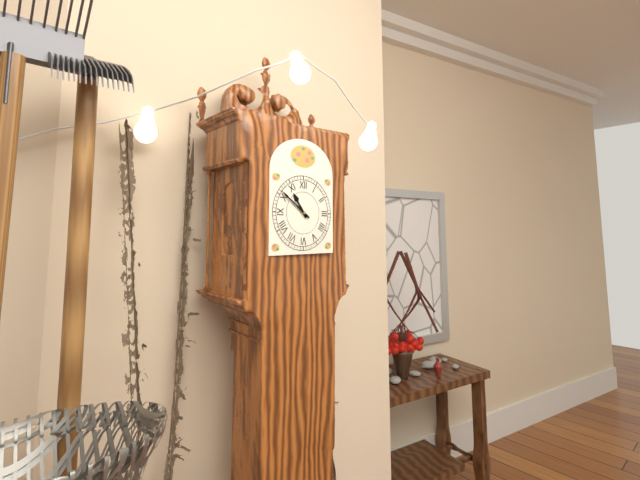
10:51
